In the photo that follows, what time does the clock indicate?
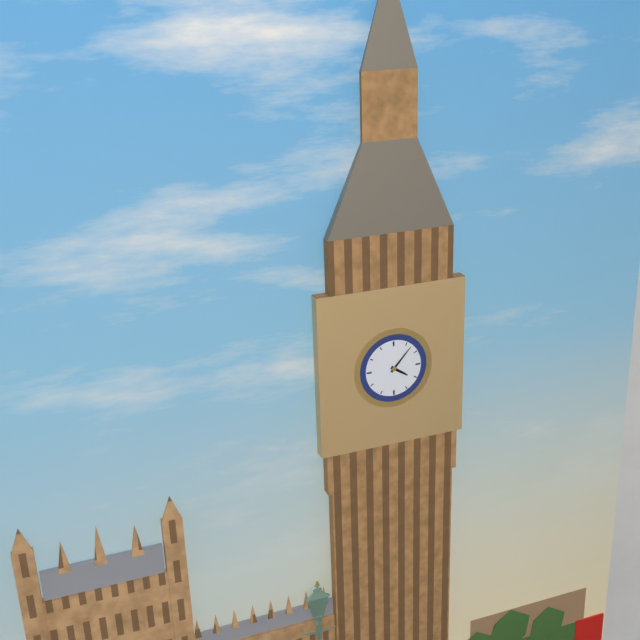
4:07
